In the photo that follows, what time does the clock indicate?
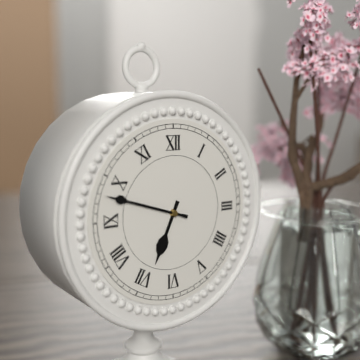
6:48
